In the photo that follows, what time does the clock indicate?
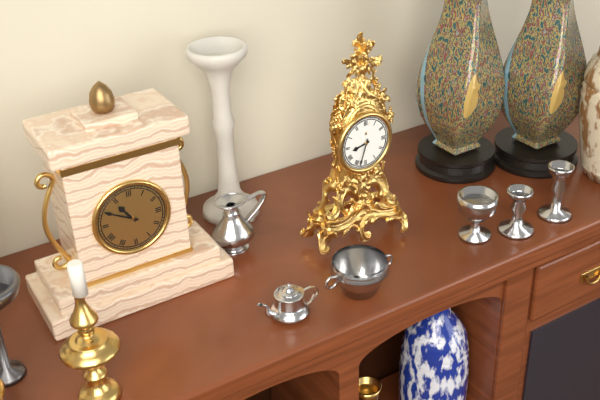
8:33
